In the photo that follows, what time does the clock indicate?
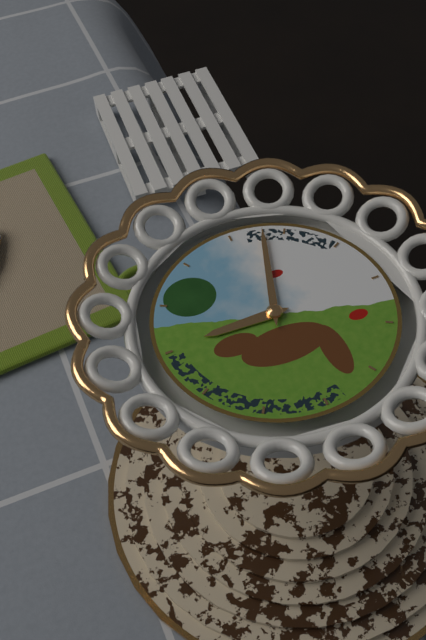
9:03
